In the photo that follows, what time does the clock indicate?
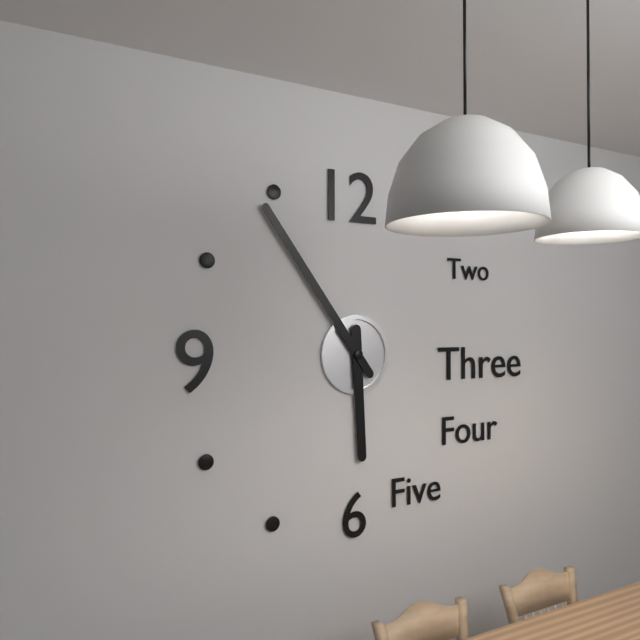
5:54
